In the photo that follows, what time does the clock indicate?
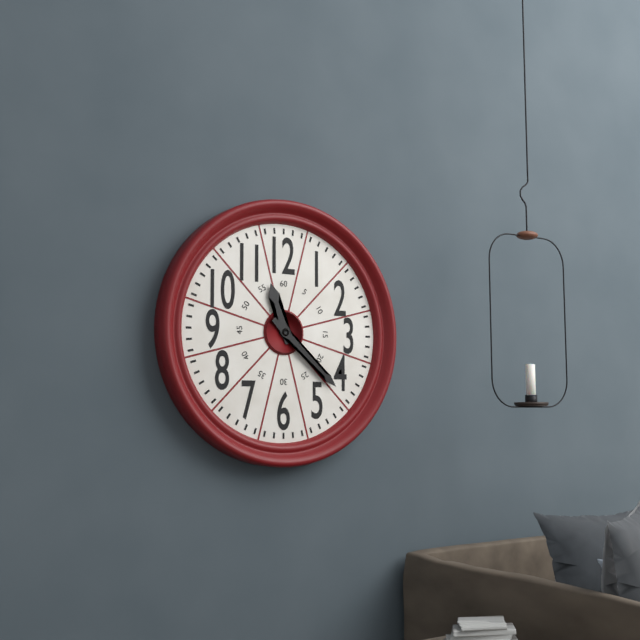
11:22
